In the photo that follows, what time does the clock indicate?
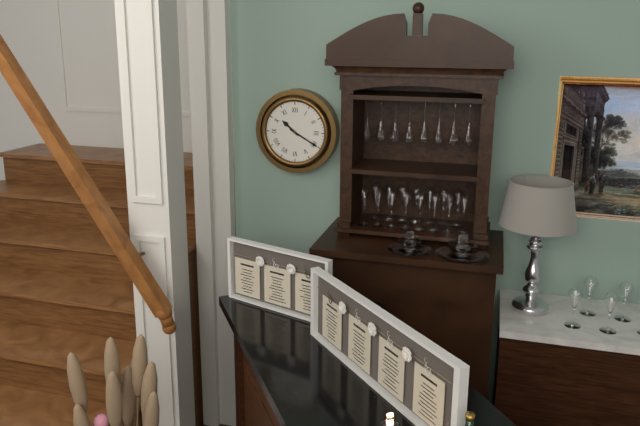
10:20
